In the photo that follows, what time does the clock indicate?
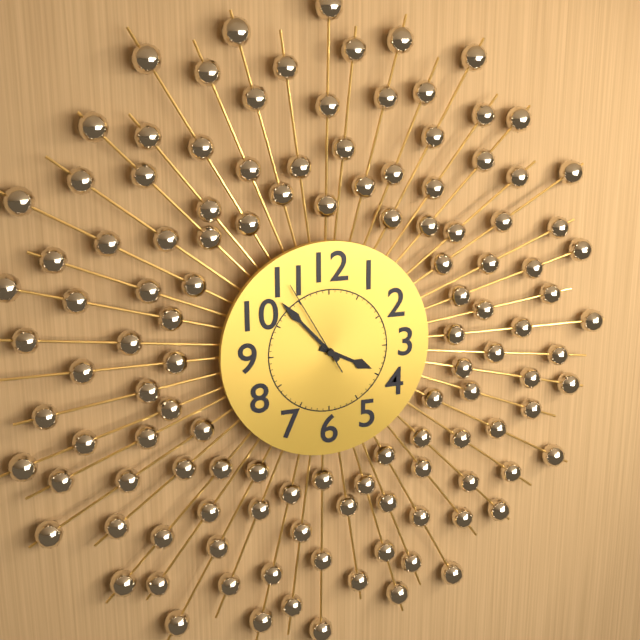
3:53:55
